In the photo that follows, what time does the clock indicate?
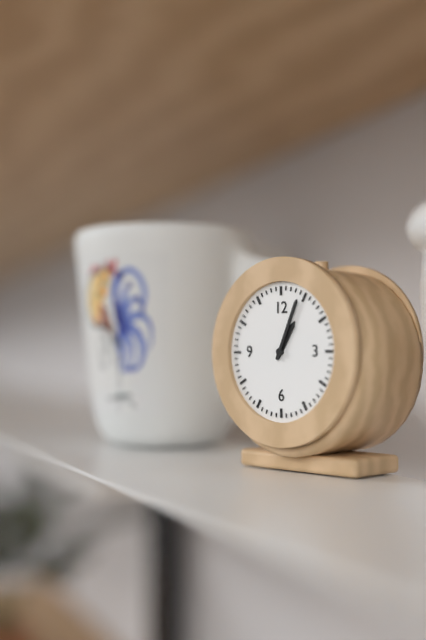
1:04
